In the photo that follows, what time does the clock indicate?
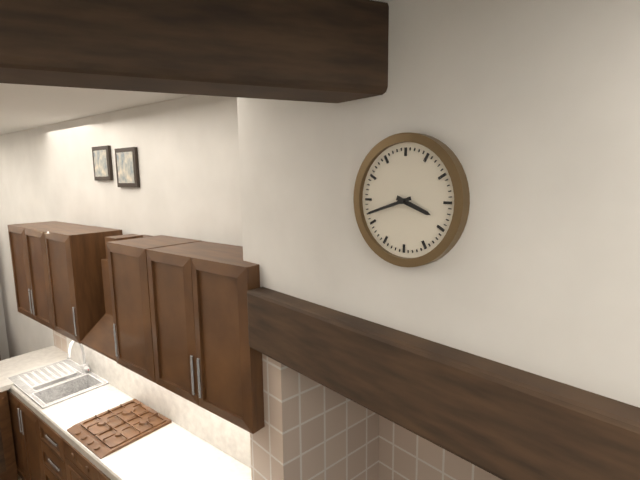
3:42
